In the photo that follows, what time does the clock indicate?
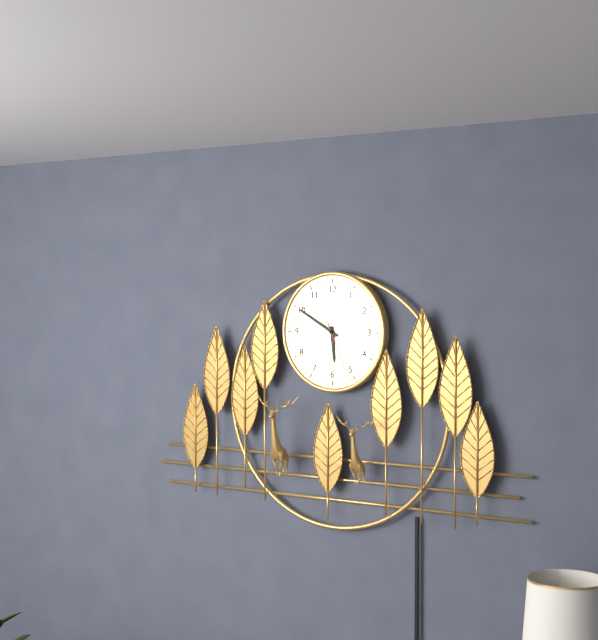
5:50:26
